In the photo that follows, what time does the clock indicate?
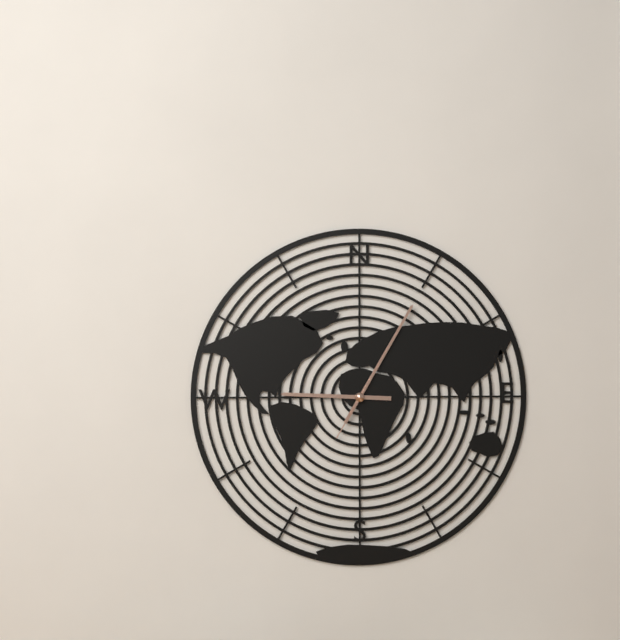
9:05:05
